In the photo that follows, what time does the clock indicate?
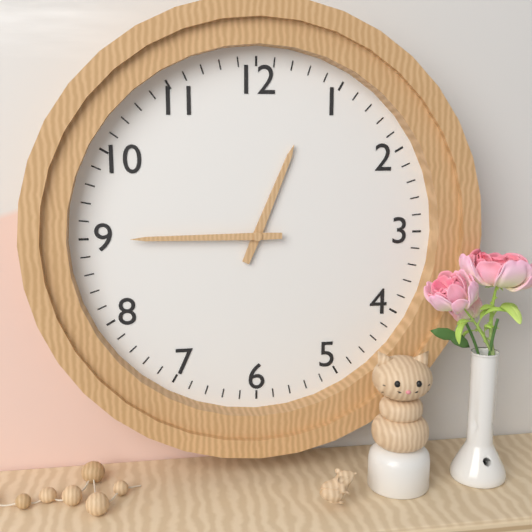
12:45
